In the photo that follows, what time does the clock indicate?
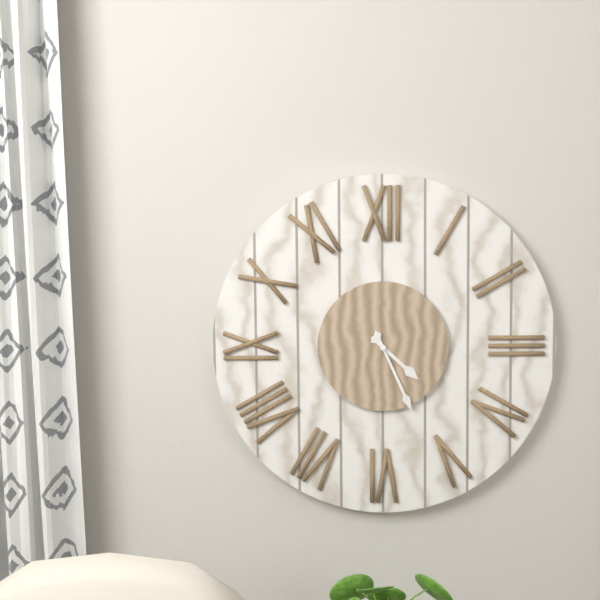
4:26
